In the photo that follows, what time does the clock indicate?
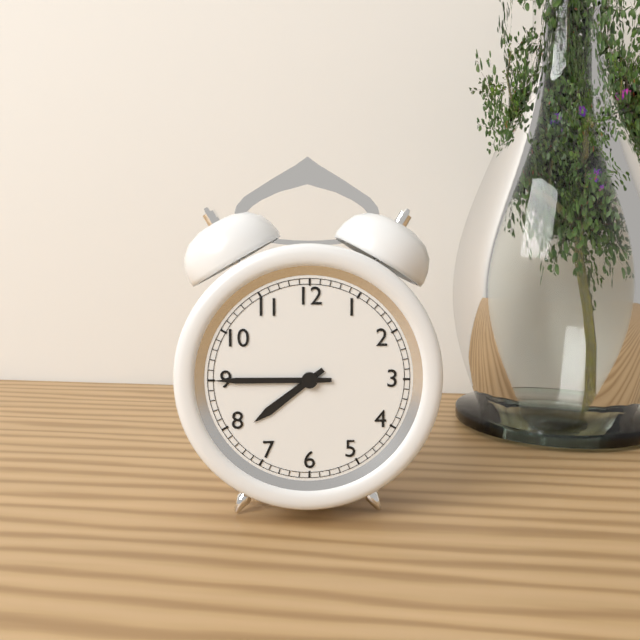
7:45
